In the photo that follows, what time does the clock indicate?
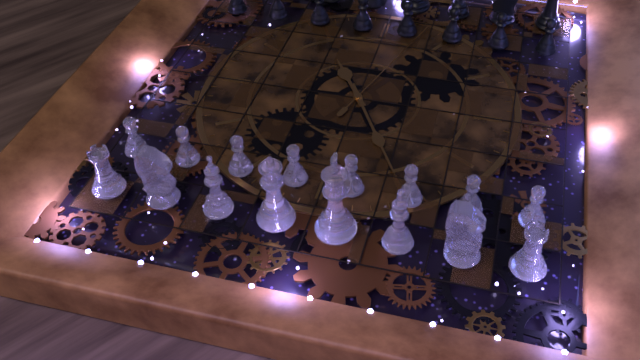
4:55:33
